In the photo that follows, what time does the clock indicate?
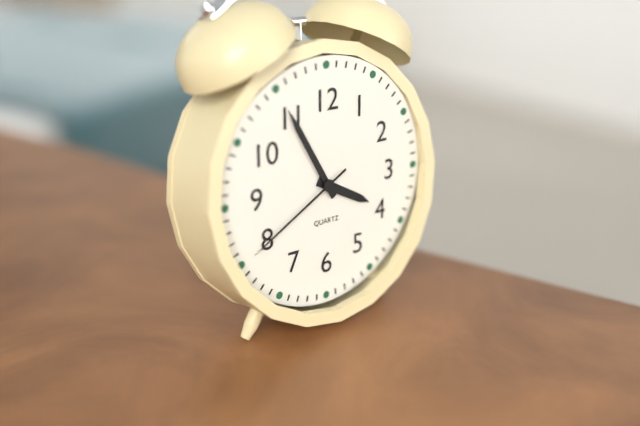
3:55:40
